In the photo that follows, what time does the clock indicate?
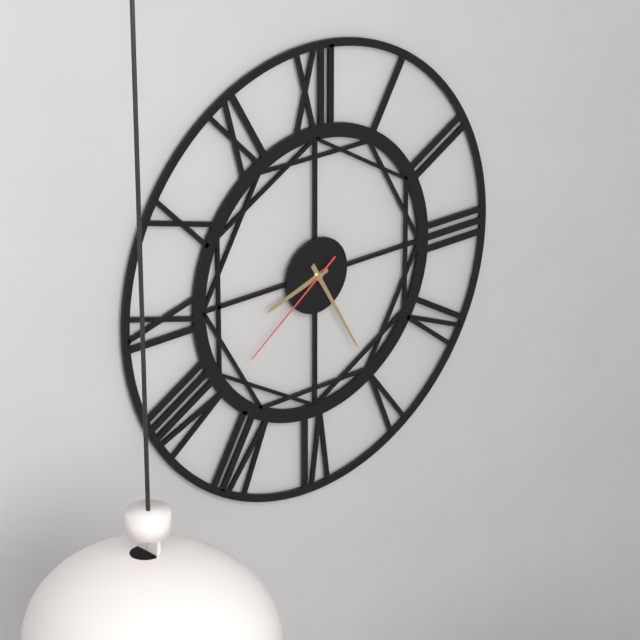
8:25:39
